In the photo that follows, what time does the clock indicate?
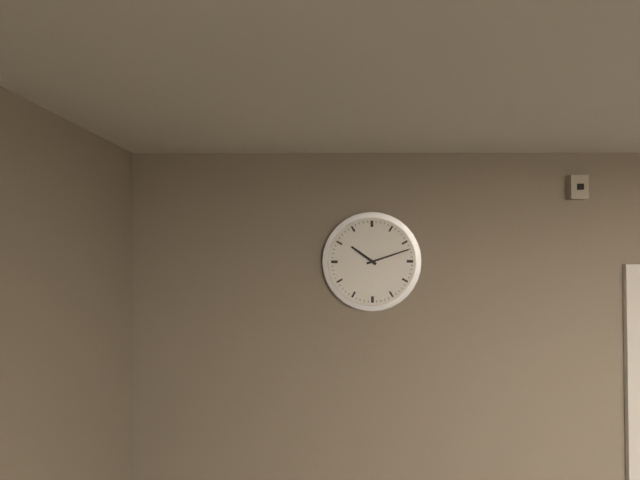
10:12
